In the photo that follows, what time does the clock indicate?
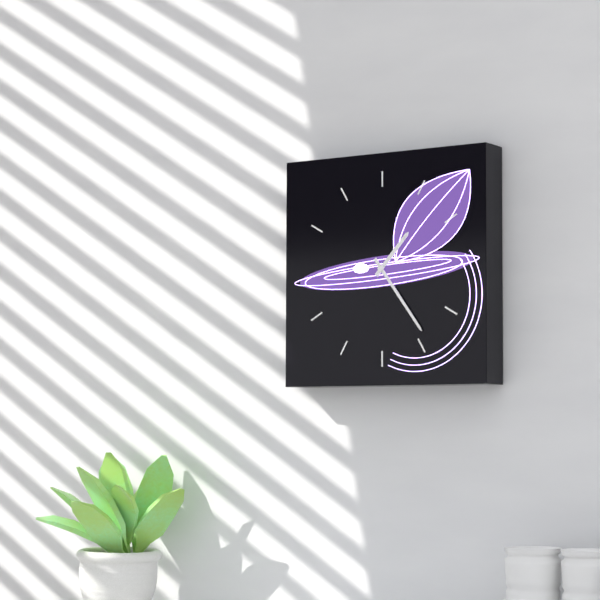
1:24
